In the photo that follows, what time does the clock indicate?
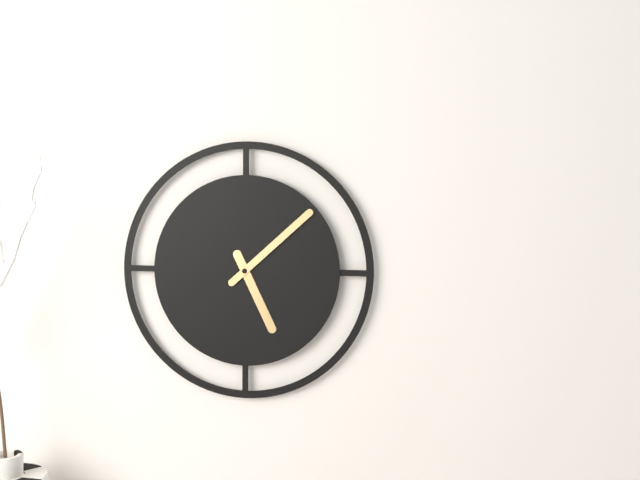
5:08
